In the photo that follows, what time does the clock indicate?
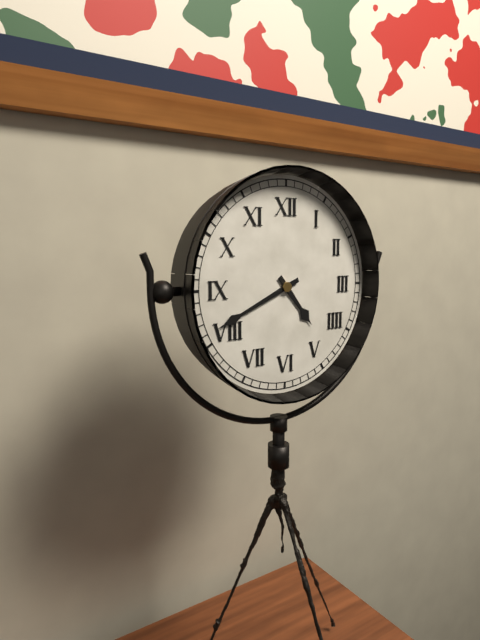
4:41
